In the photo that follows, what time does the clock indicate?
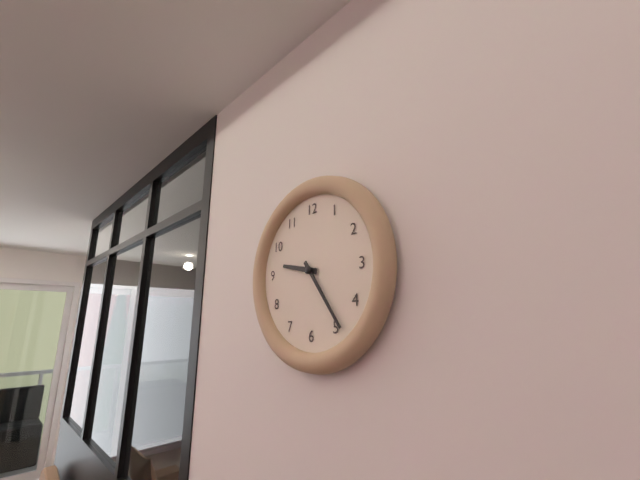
9:24
